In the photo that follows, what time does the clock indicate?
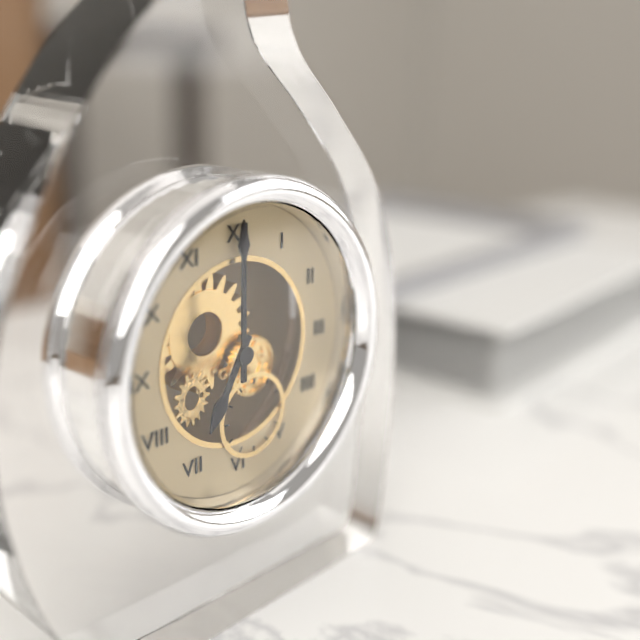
7:00
